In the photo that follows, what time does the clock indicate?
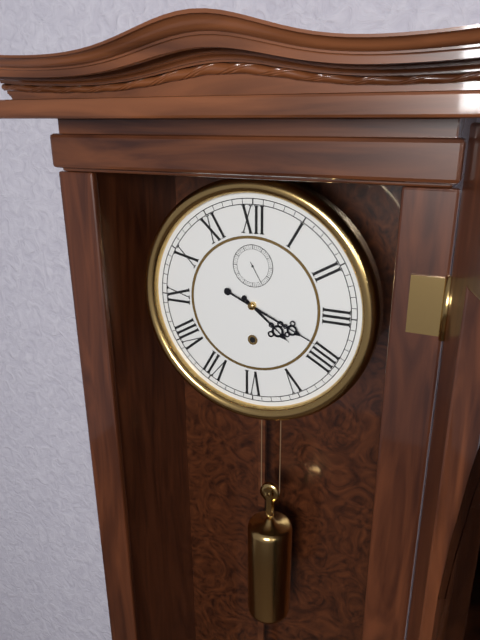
4:19
